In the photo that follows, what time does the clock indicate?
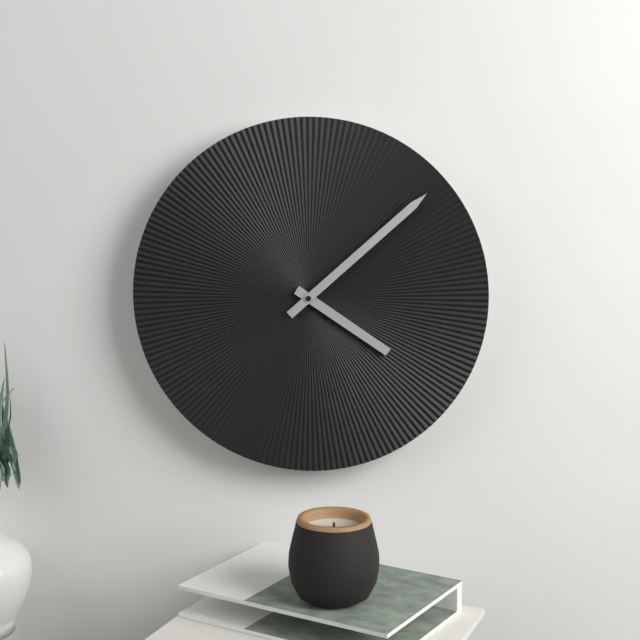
4:08
